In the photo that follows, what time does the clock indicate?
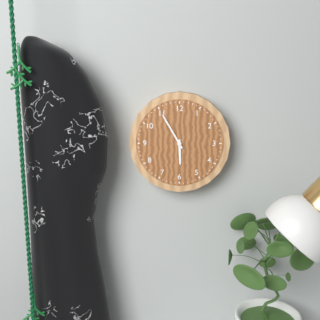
5:55
